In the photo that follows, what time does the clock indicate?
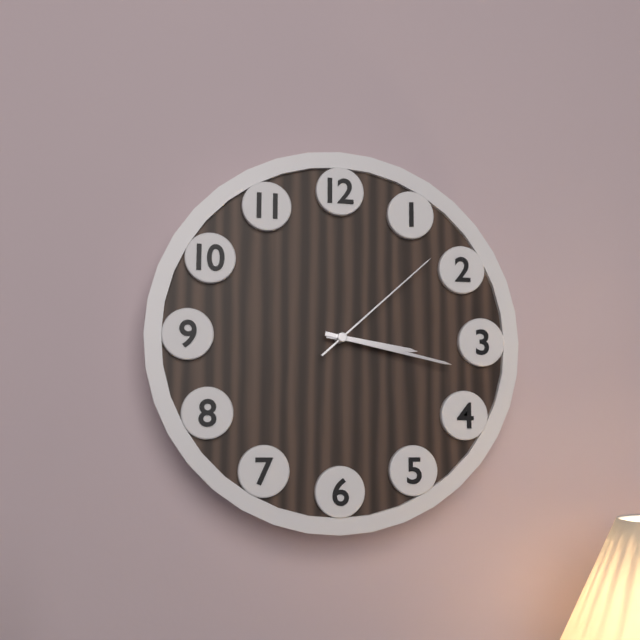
3:17:08
